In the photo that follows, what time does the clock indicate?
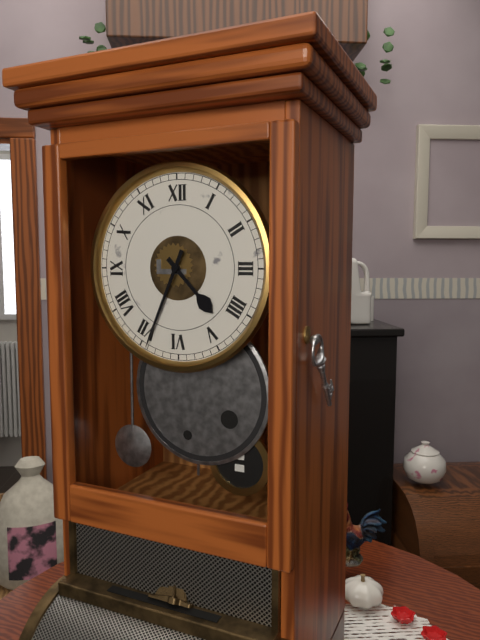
4:34
